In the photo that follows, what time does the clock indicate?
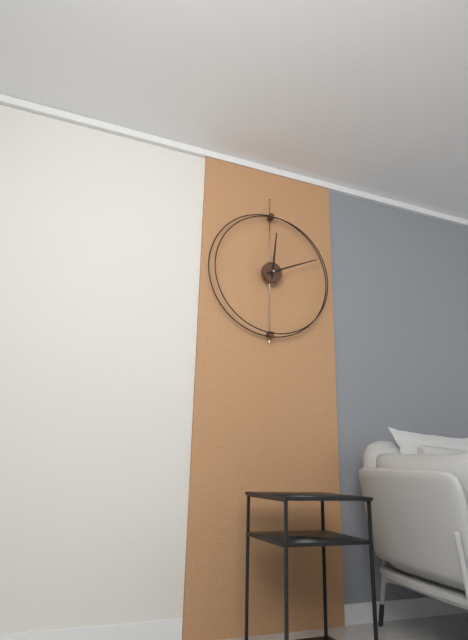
12:11
